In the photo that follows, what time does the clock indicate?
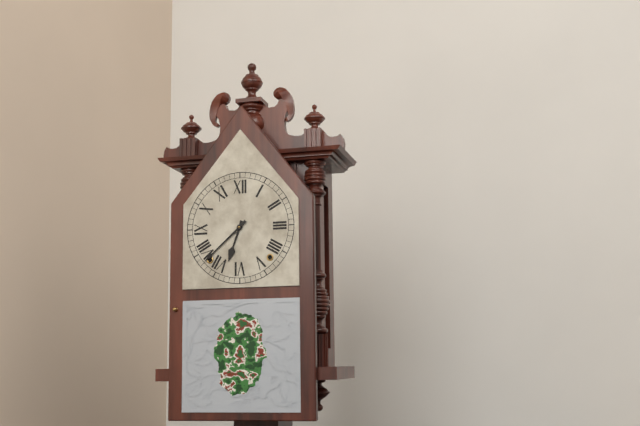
6:38
